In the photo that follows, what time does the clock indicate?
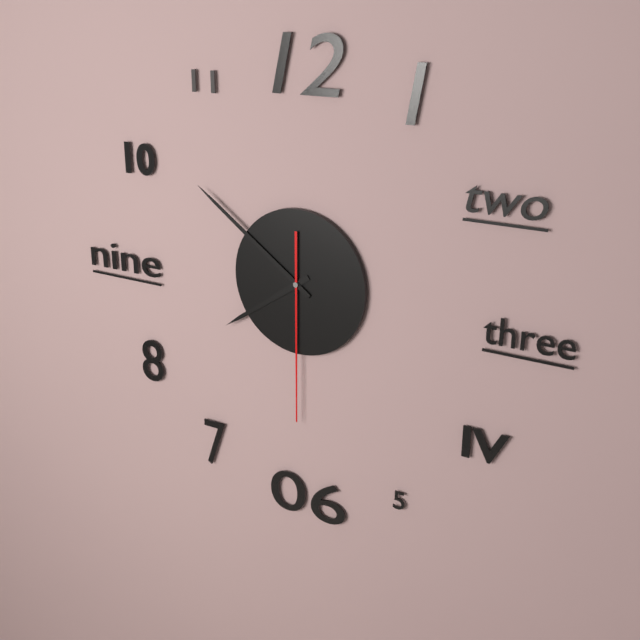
7:51:30
